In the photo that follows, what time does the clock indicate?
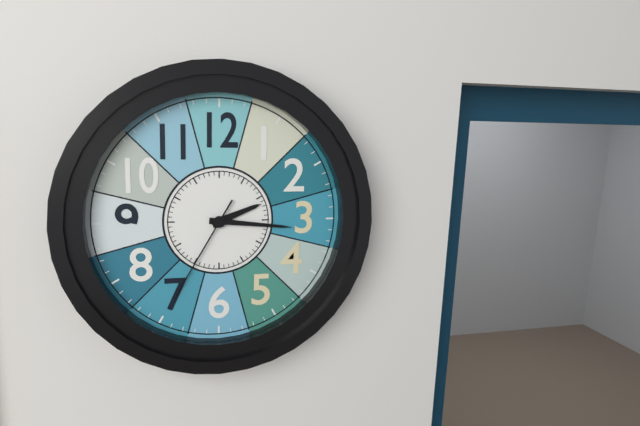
2:16:35
